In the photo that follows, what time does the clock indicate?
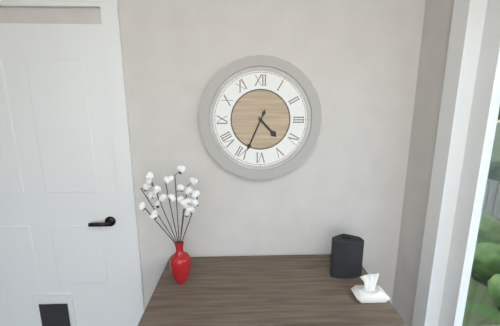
4:34
